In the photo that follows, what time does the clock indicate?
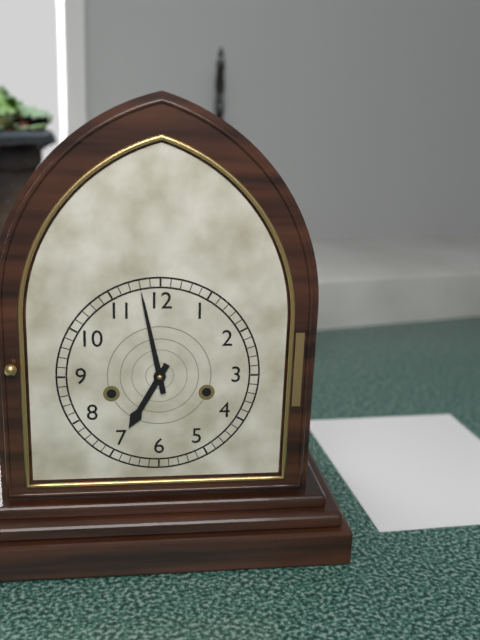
6:58
